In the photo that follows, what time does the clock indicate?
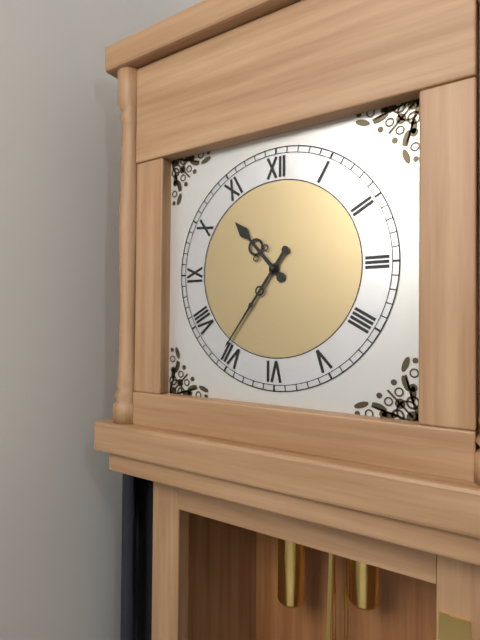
10:36
